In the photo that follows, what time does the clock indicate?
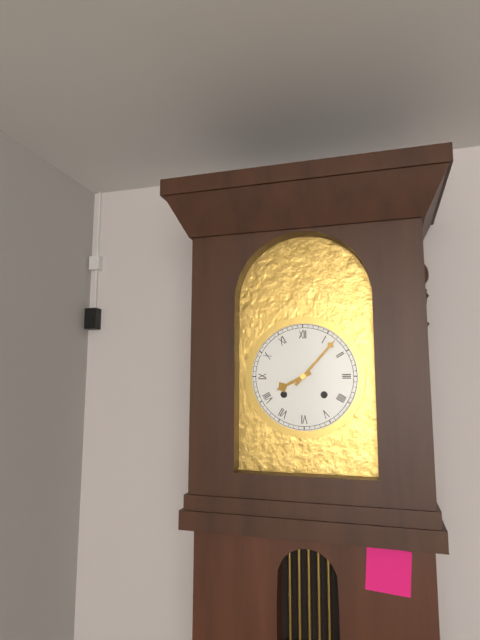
8:07
